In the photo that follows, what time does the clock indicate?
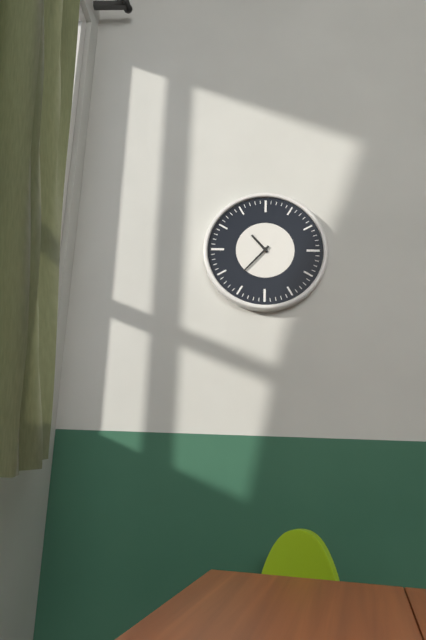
10:37
